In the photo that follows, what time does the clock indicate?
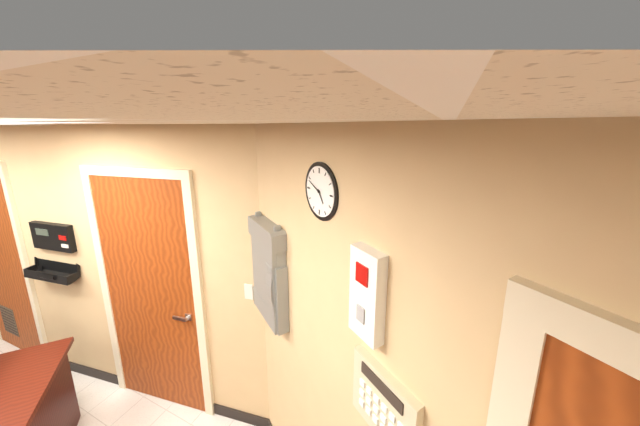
4:49
